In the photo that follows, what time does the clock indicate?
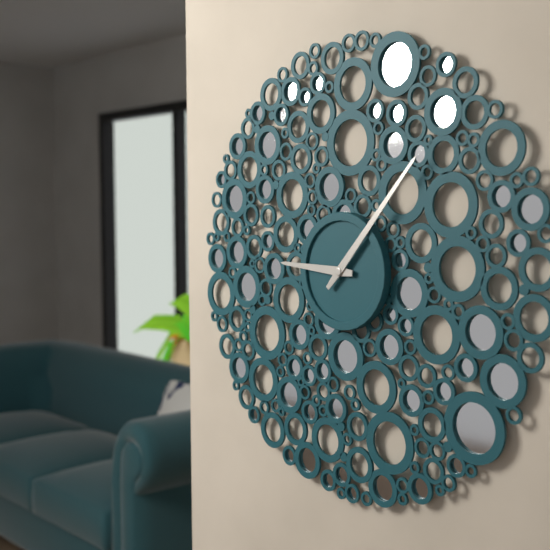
9:07
